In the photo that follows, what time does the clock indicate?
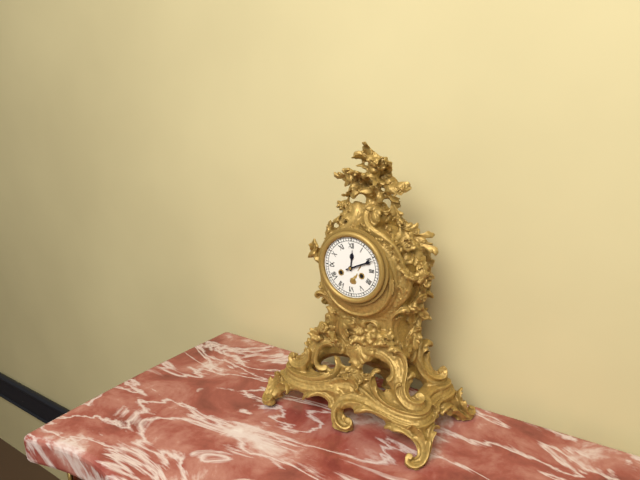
12:11
